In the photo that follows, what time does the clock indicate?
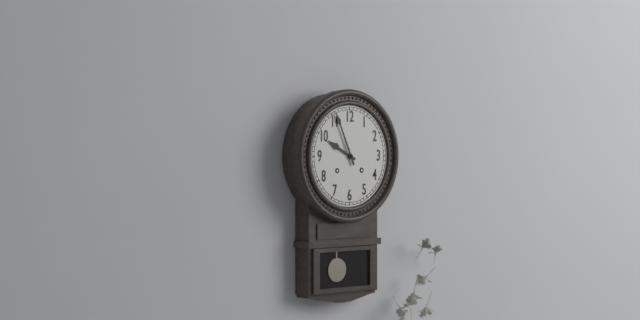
9:56
